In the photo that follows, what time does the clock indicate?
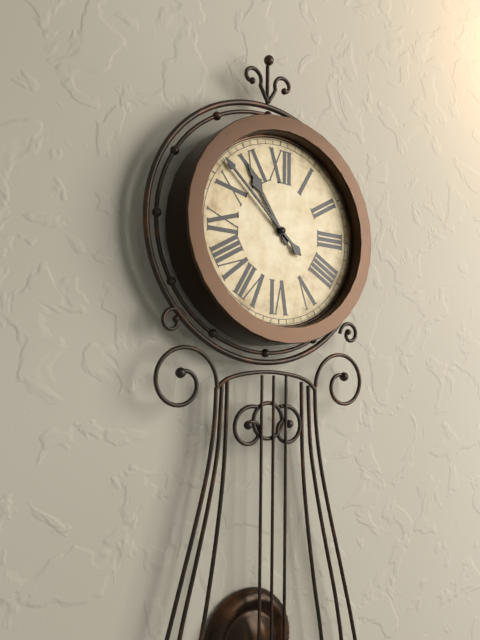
10:52
